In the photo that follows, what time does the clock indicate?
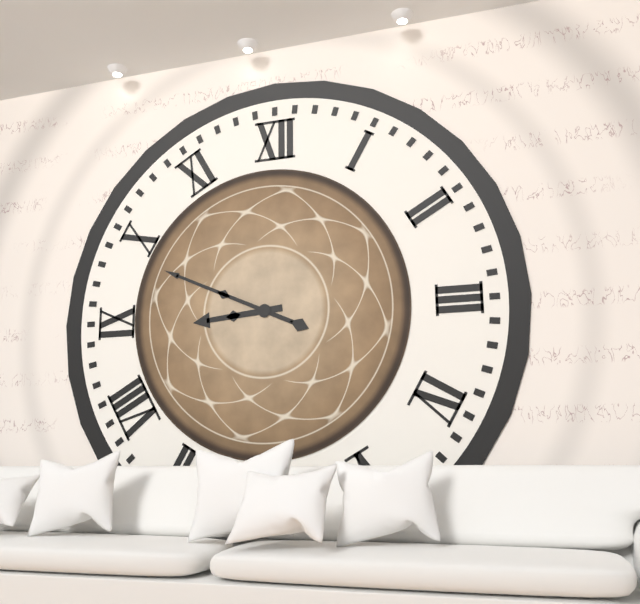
8:49
